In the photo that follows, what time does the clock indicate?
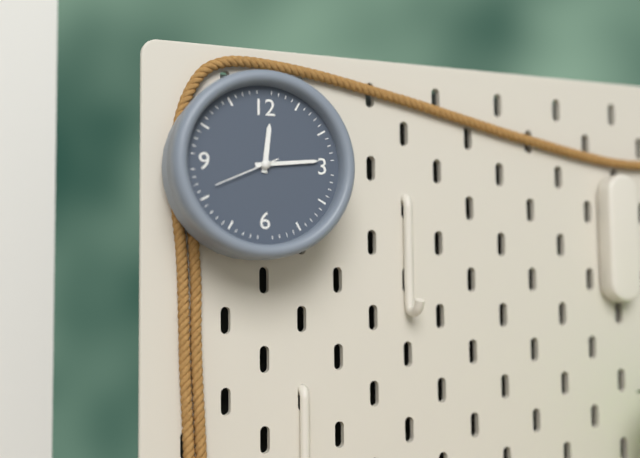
12:14
